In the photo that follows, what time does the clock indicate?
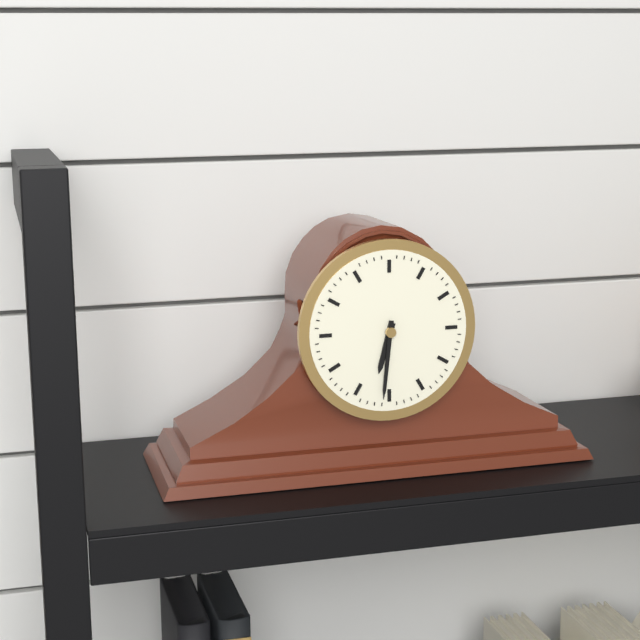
6:31
